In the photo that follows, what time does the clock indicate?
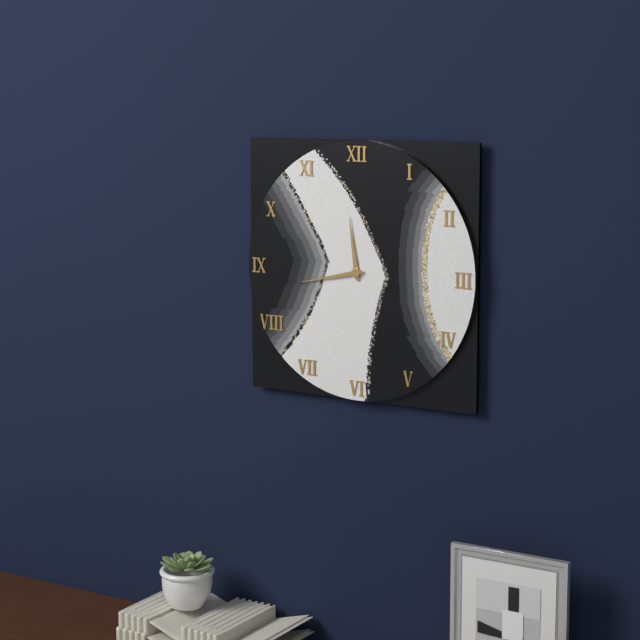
11:43
